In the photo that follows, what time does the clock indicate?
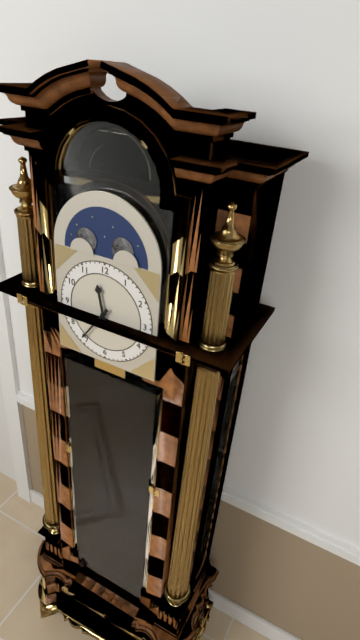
11:36
